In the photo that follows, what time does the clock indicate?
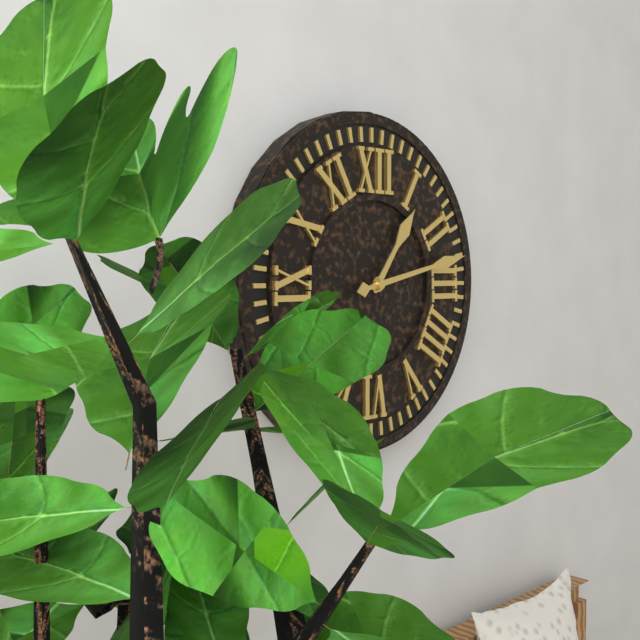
1:13
